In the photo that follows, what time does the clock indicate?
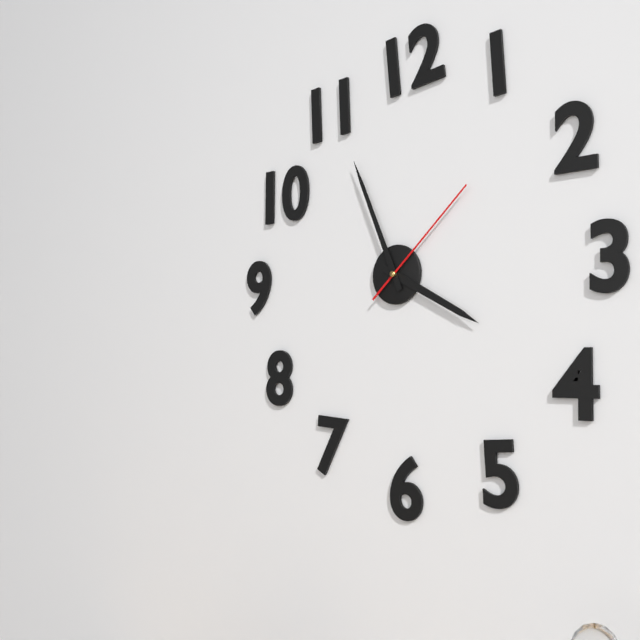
3:56:08
